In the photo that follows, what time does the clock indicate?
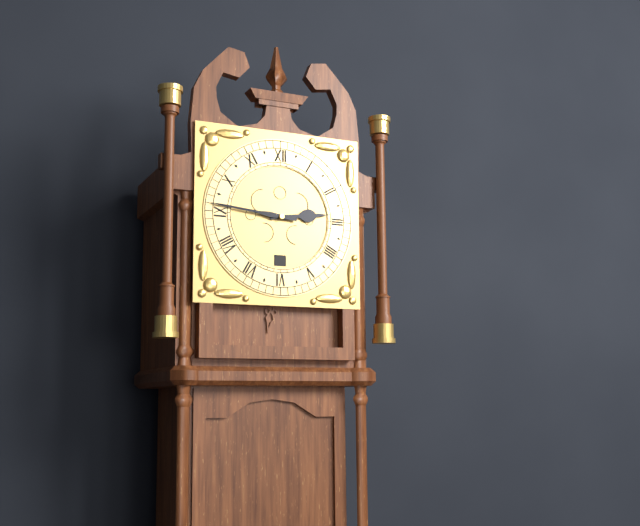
2:46
